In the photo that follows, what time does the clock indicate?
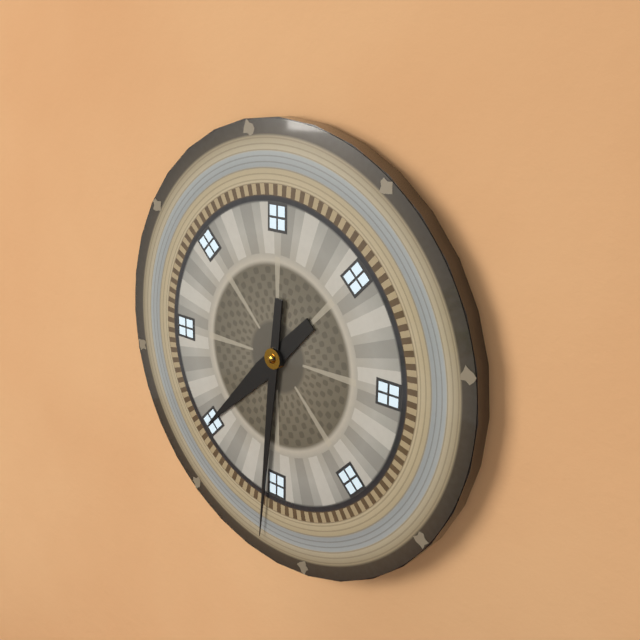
7:31
